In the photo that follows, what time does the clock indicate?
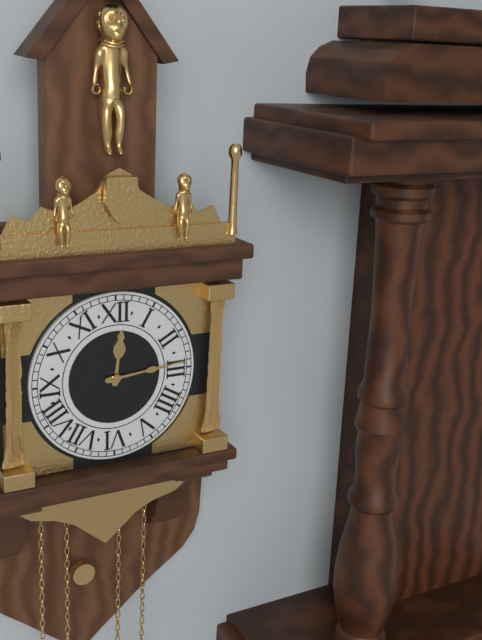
12:14
